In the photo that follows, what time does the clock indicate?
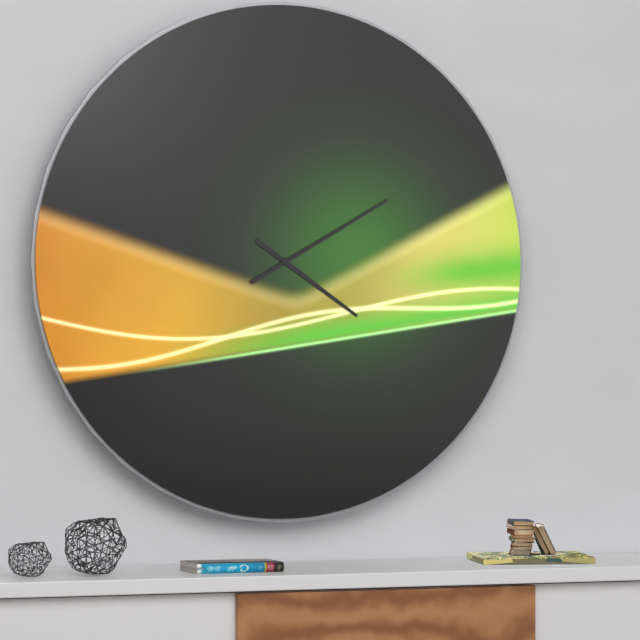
4:10
